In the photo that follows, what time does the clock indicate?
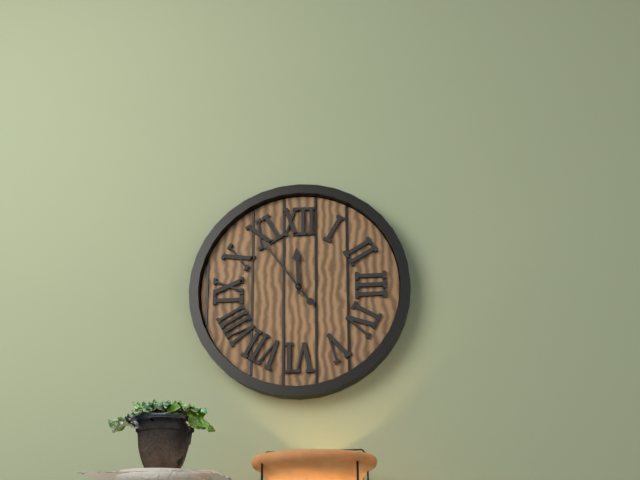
11:54
